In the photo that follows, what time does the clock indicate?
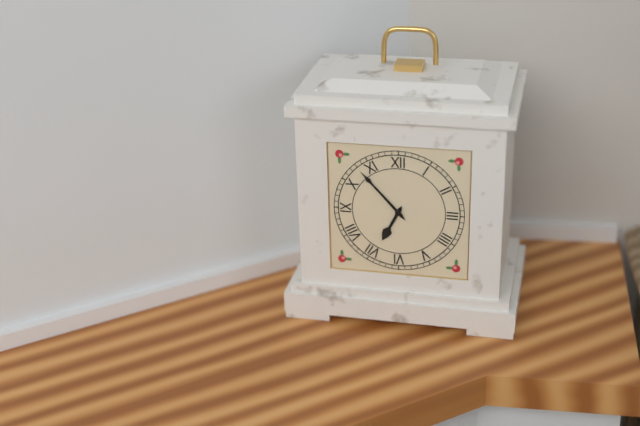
6:53
